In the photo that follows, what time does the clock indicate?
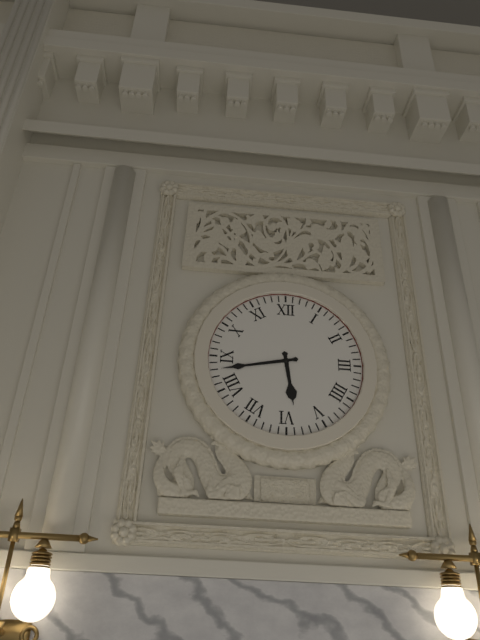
5:43
